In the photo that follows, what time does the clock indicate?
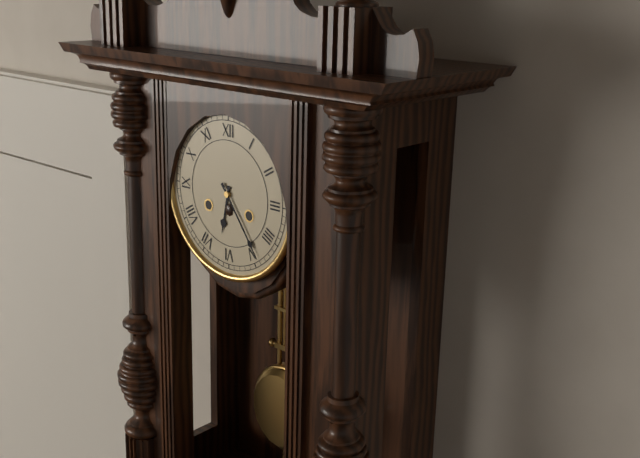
6:24
